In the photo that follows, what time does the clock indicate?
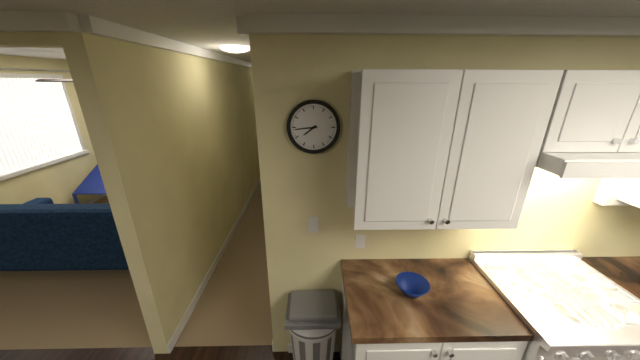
7:44
